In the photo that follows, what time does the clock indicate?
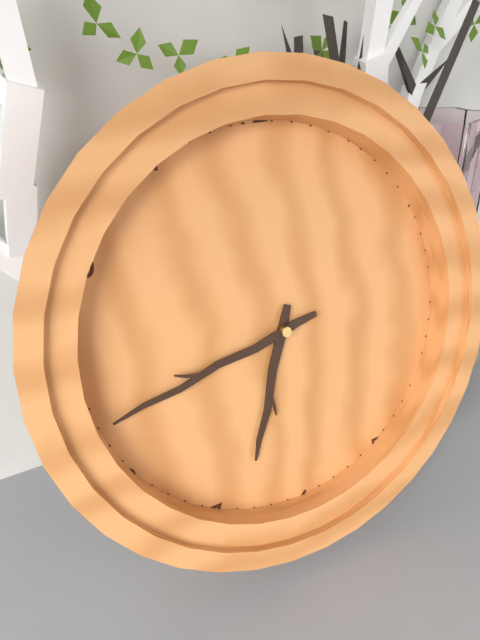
6:43
